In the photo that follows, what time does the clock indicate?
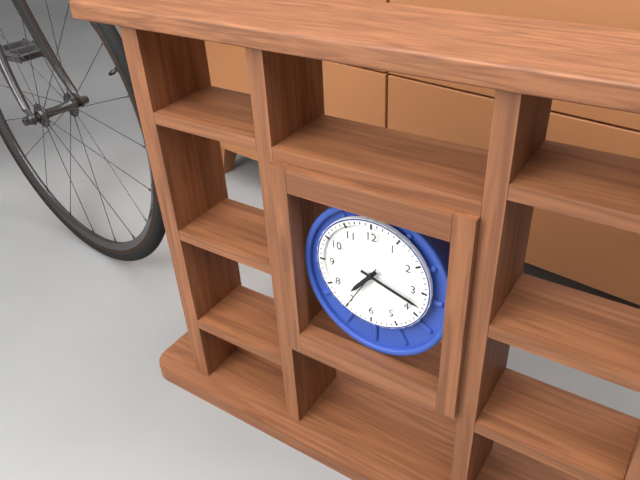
7:18
